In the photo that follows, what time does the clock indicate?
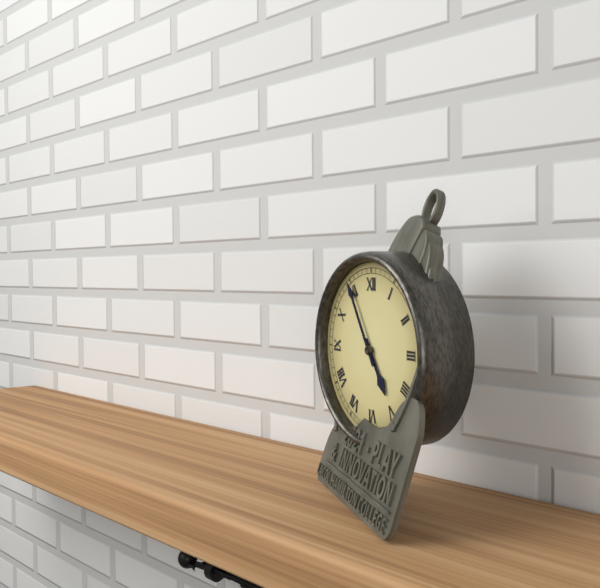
4:55
